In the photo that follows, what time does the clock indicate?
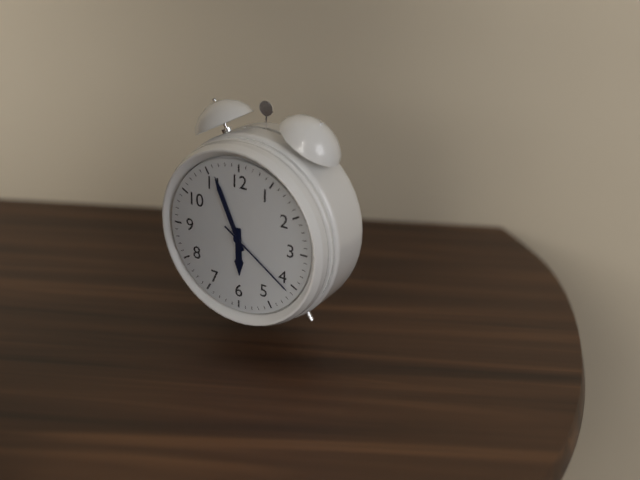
5:56:21
